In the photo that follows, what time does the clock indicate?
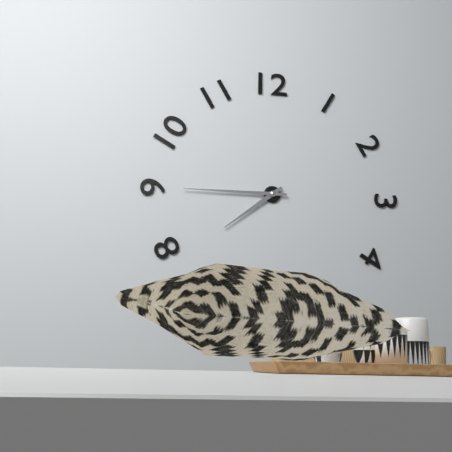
7:45
